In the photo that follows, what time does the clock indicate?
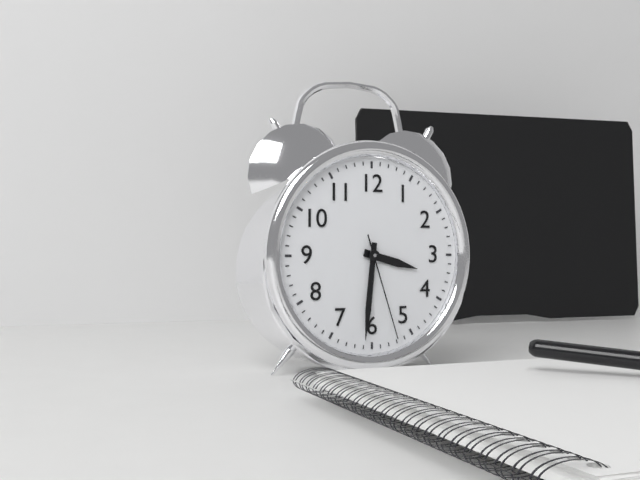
3:31:27
